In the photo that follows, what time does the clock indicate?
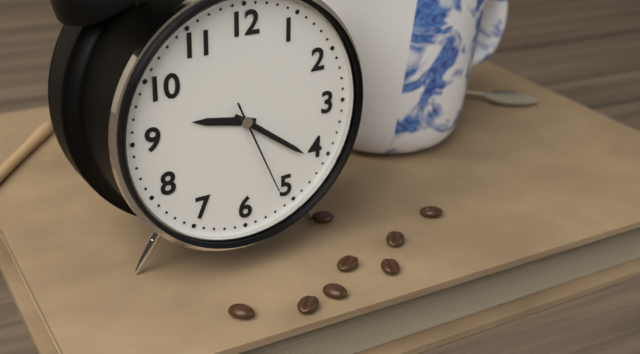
9:21:26
